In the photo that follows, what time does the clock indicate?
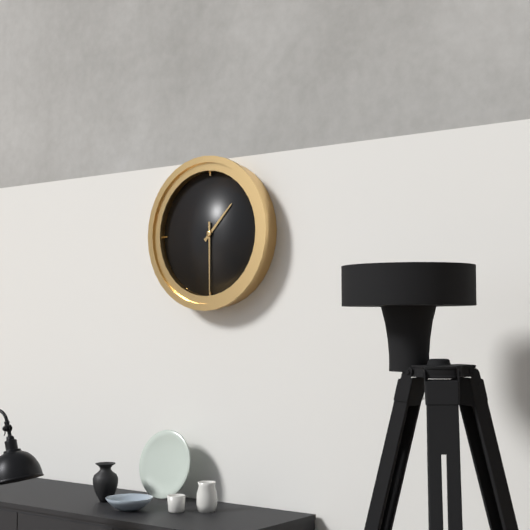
1:30
